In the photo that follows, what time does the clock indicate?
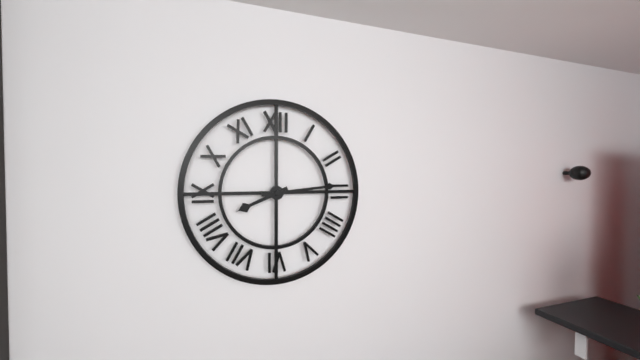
8:14
